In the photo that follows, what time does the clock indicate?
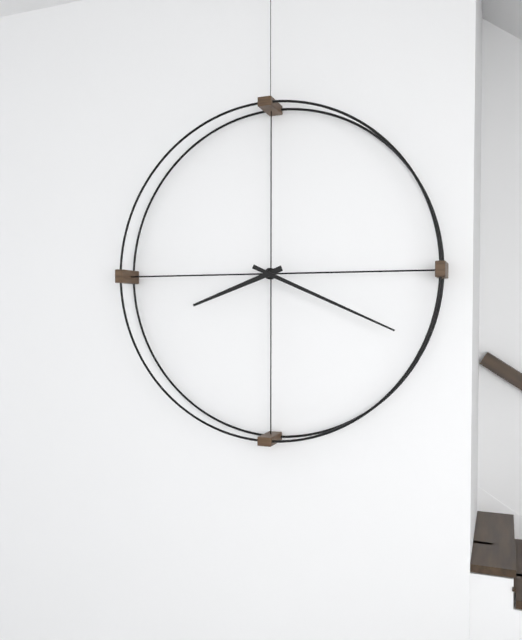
8:19
